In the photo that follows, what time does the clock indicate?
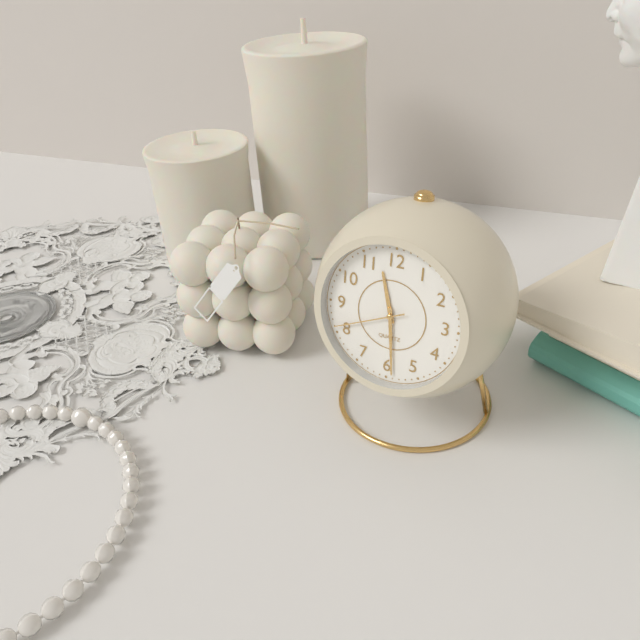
11:29:41
